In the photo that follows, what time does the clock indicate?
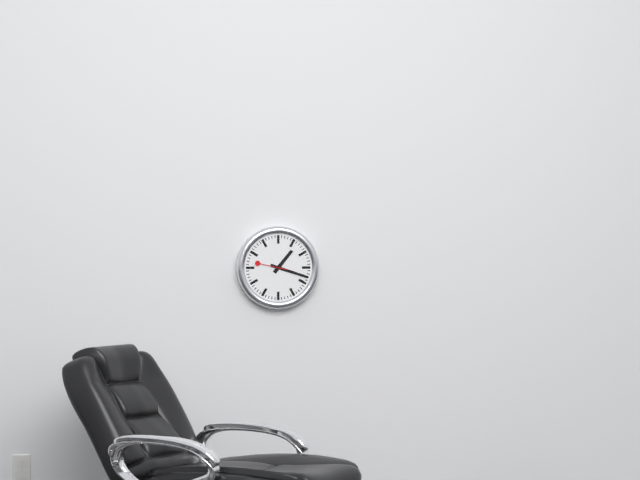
1:18
